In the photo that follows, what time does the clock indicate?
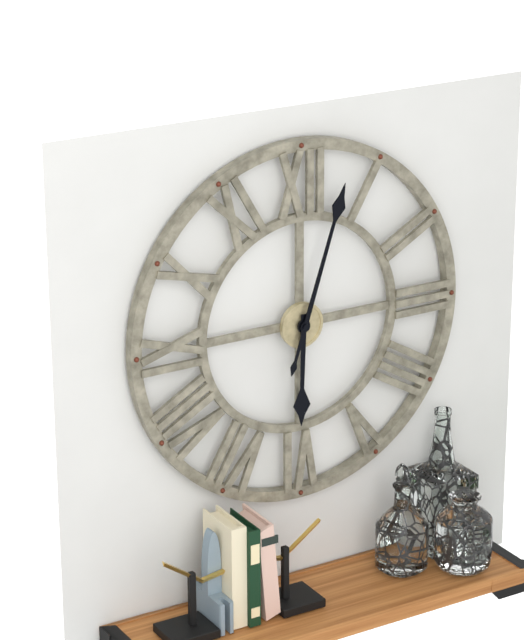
6:03
